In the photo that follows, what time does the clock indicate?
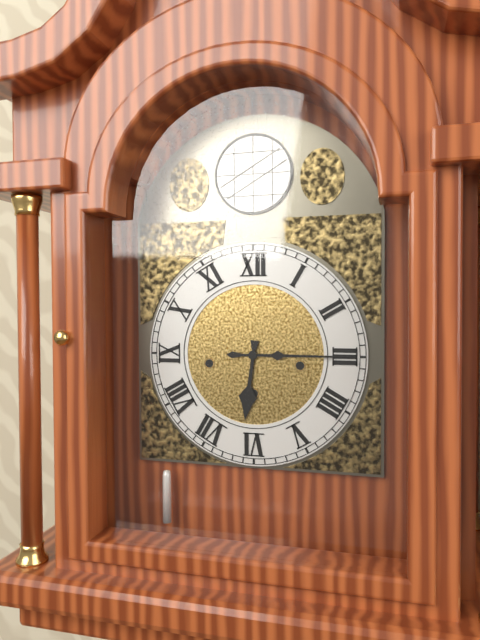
6:15
